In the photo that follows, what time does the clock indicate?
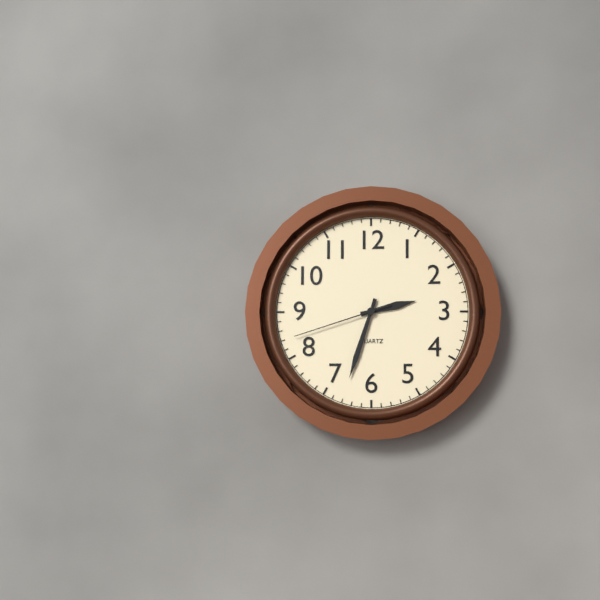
2:33:42
